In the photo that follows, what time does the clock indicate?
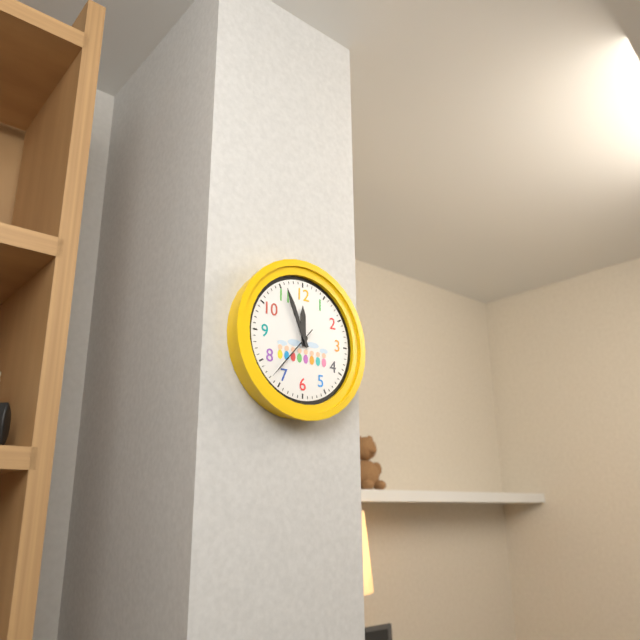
11:56:37
